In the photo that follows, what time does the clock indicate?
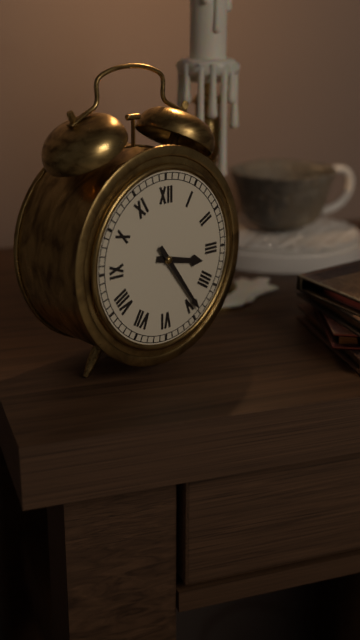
3:24
